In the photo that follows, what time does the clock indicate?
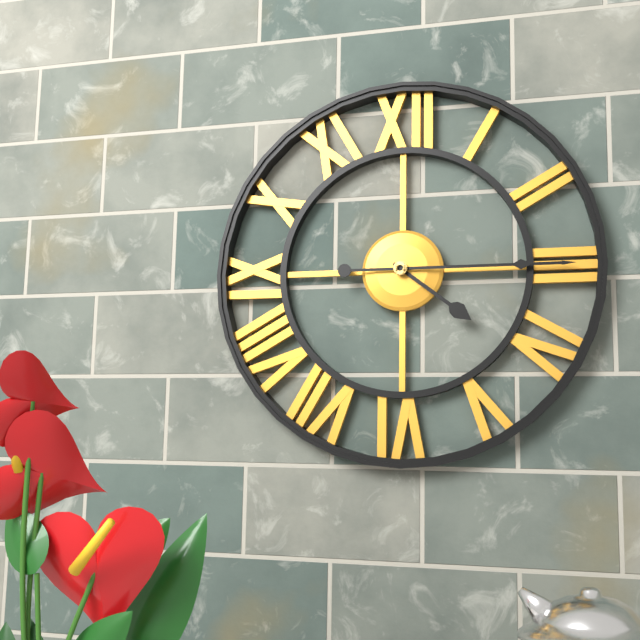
4:15
